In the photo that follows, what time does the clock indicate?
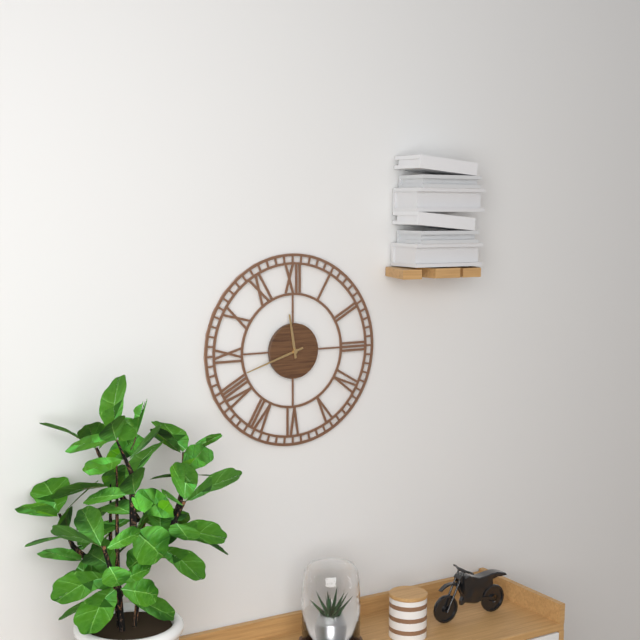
11:42
